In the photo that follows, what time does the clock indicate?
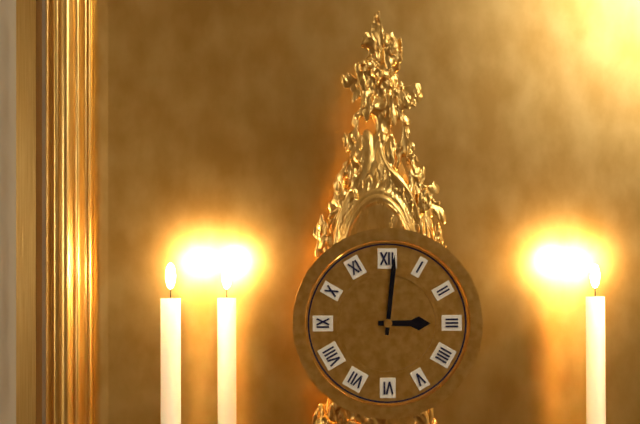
3:01
